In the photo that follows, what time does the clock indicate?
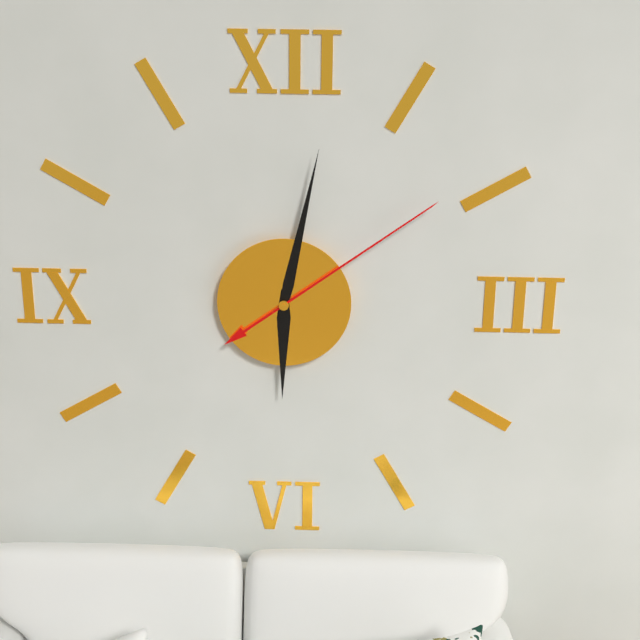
6:02:09
